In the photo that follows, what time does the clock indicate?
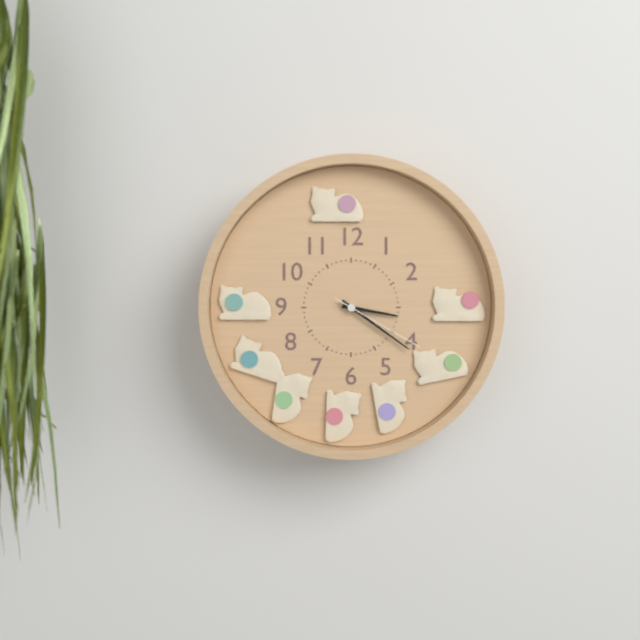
3:21:20
